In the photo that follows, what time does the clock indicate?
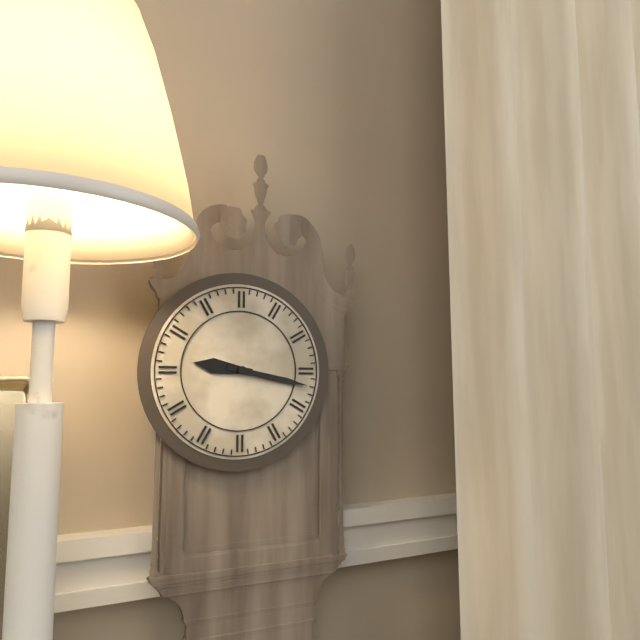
9:17
